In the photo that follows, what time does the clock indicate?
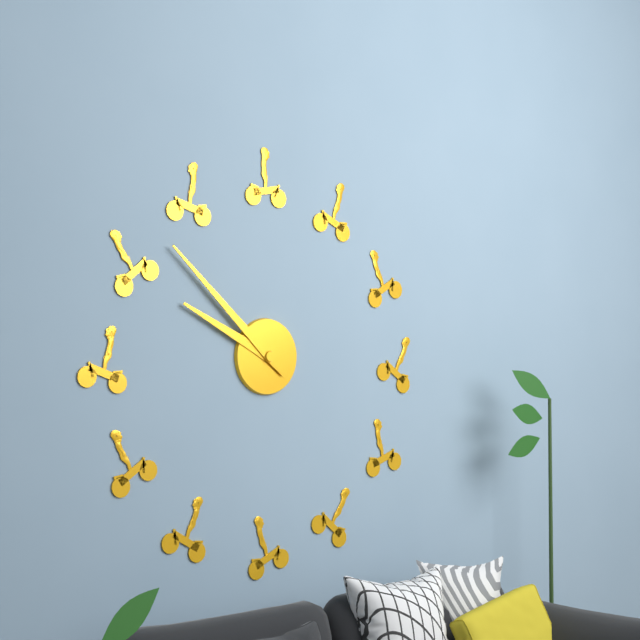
9:52
